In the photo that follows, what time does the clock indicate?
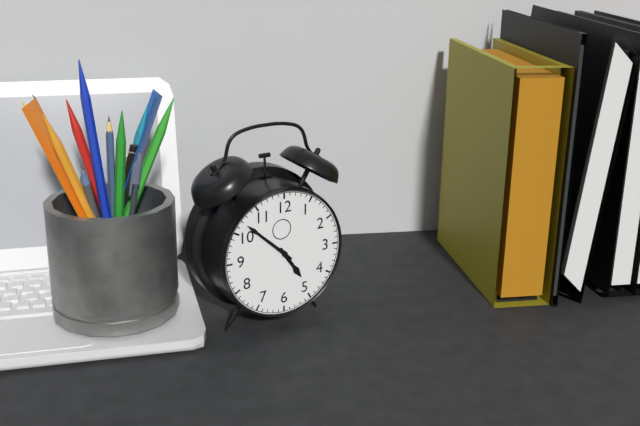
4:52
